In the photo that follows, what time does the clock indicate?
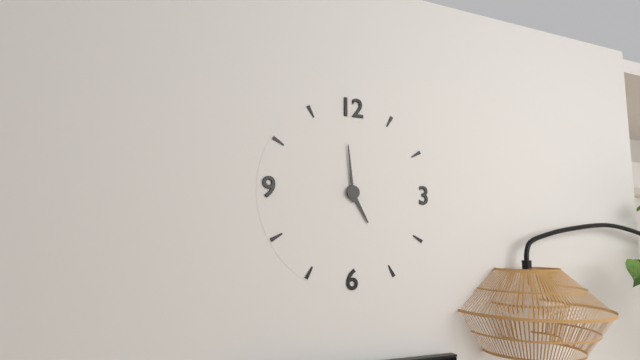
4:59
